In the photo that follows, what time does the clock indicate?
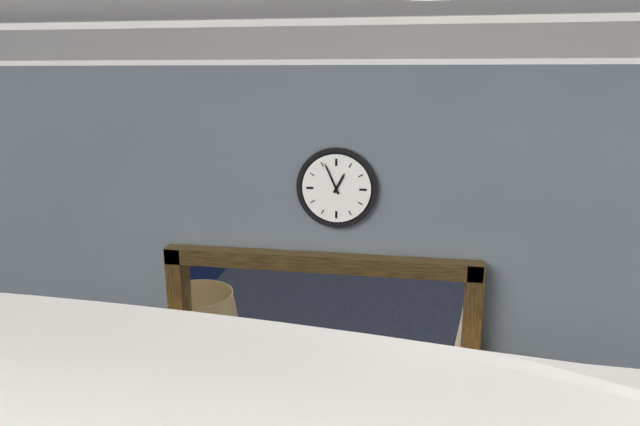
12:56
